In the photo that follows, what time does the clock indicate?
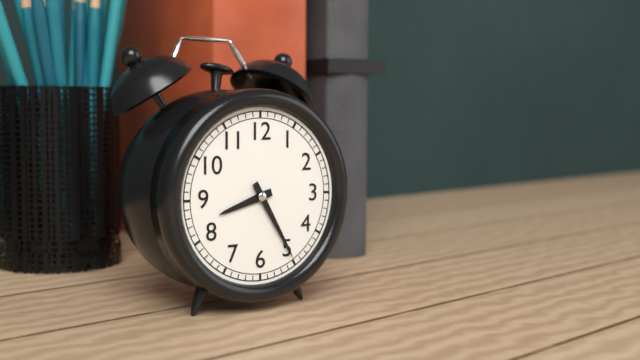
8:25
